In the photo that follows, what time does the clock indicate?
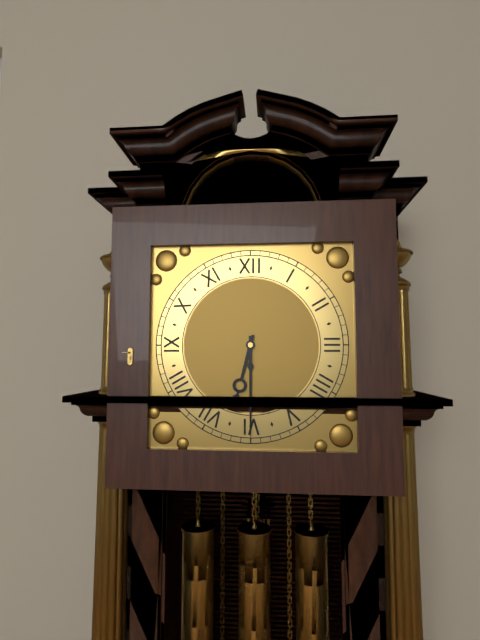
6:30
